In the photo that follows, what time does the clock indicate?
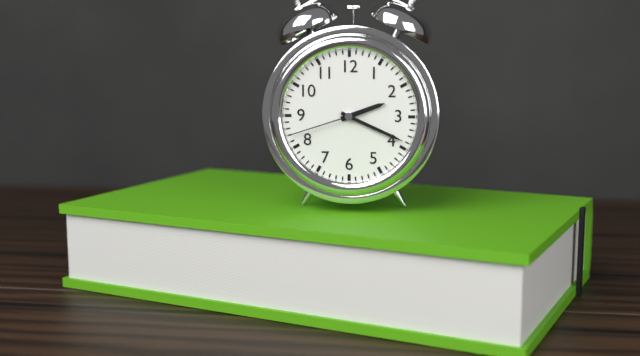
2:19:42
